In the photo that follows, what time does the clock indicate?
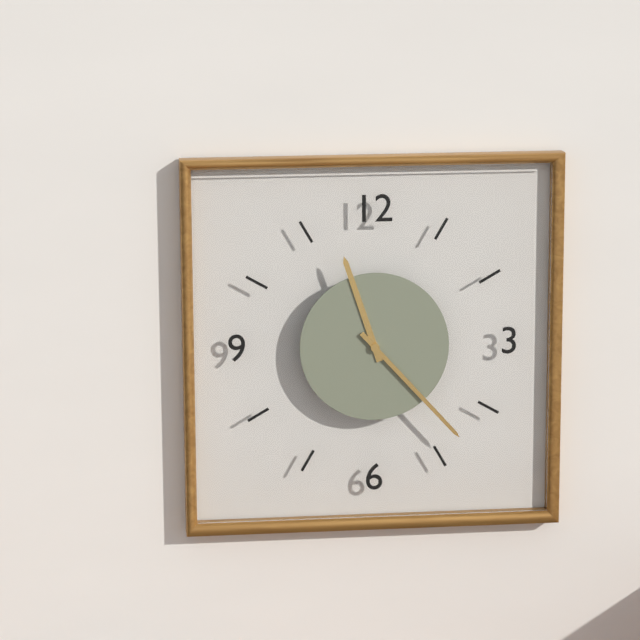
11:23
